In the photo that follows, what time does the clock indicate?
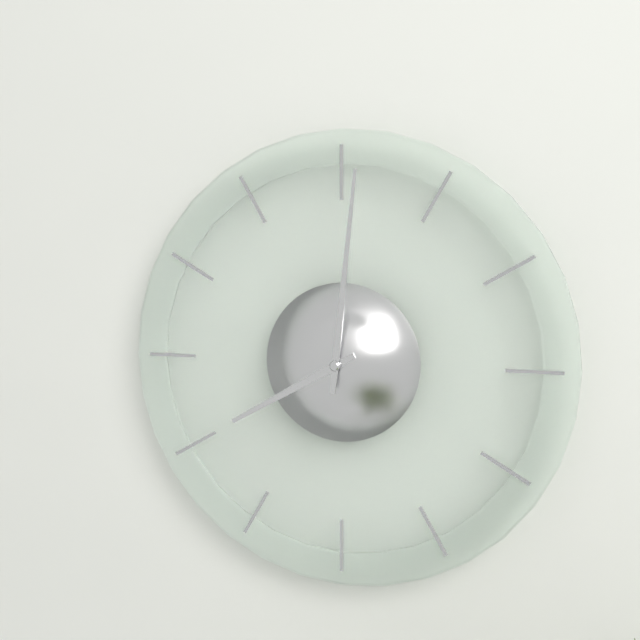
8:01
